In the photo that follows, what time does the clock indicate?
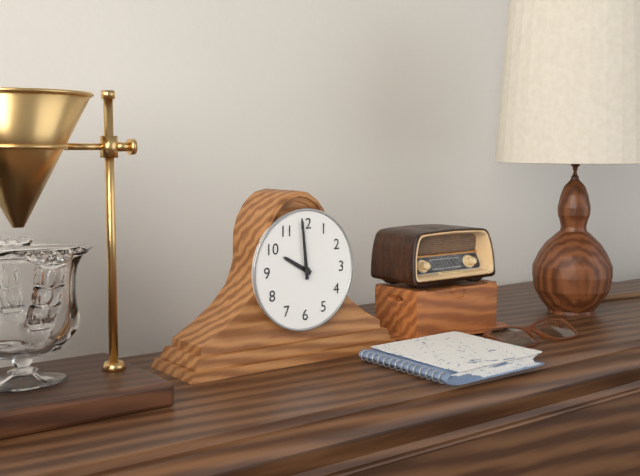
9:59
